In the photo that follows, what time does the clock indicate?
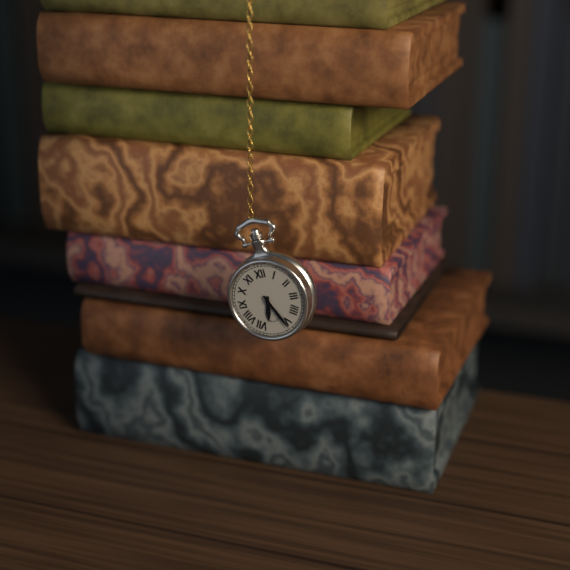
6:26
